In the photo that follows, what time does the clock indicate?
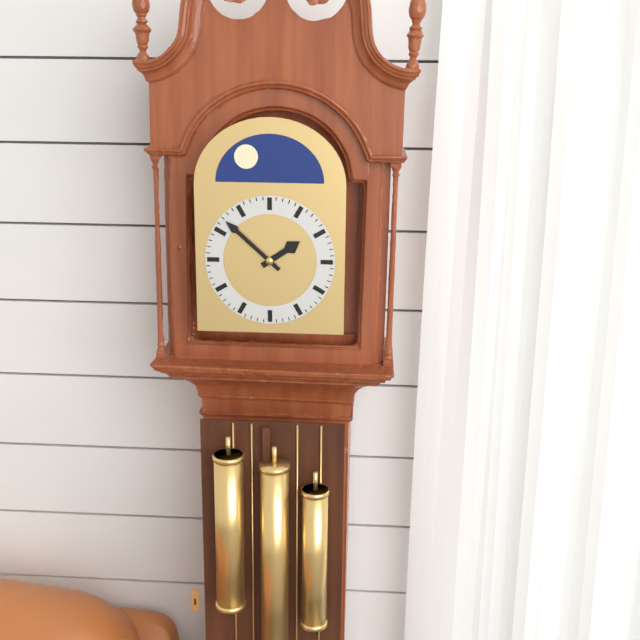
1:52
